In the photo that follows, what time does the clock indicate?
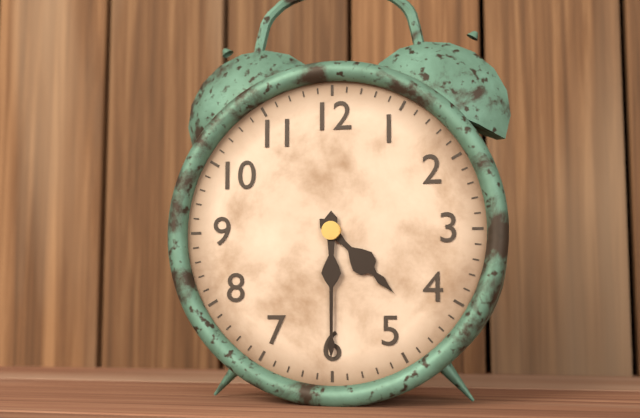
4:30
